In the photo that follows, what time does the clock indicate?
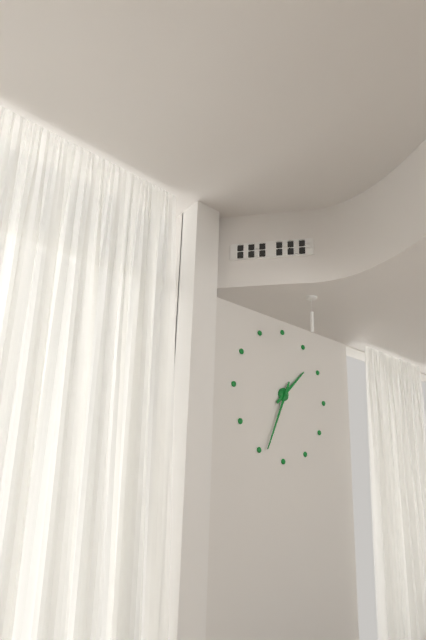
1:34
